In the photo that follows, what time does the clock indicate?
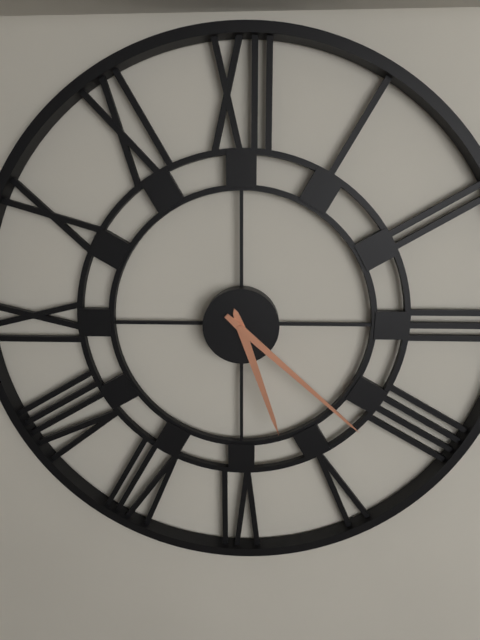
5:22
